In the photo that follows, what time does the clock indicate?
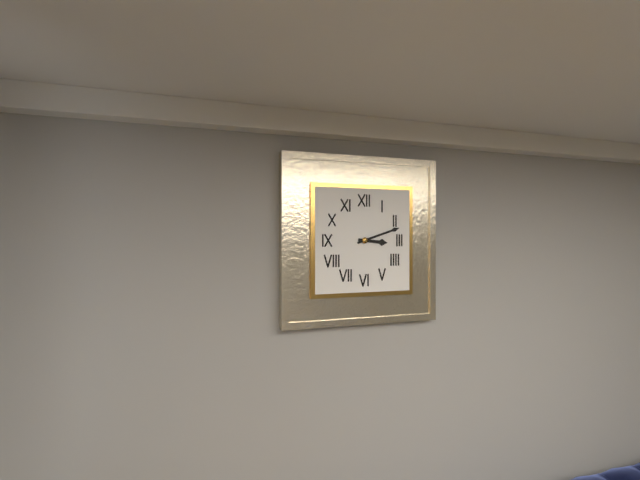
3:12
